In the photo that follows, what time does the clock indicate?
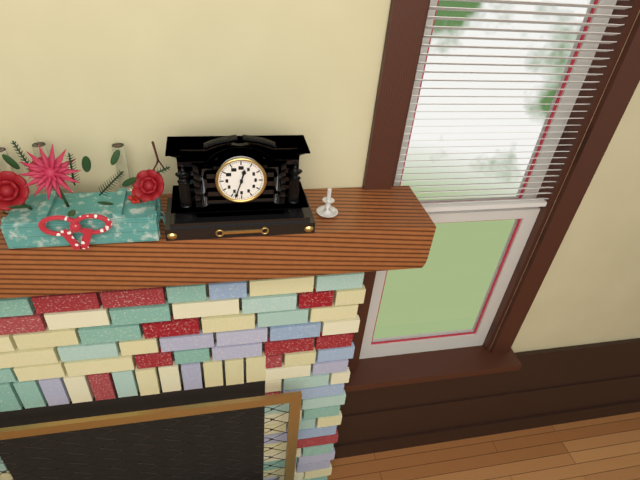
12:33
